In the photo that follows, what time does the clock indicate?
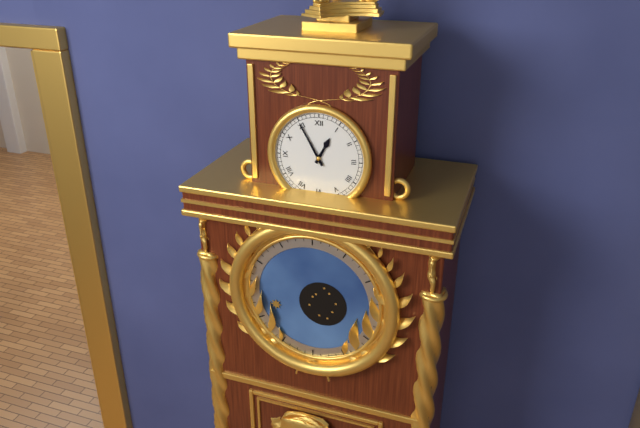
12:55
